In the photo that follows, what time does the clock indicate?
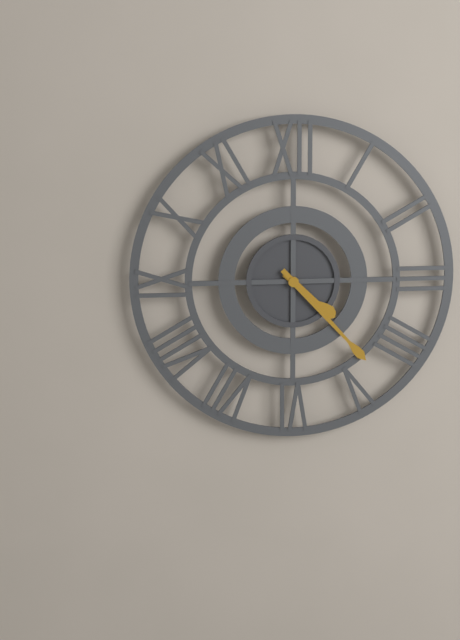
4:23
